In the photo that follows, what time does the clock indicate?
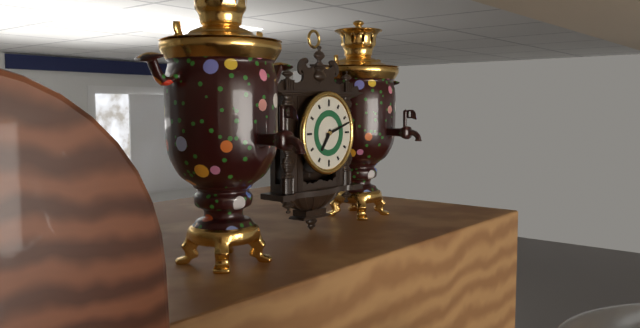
7:12
